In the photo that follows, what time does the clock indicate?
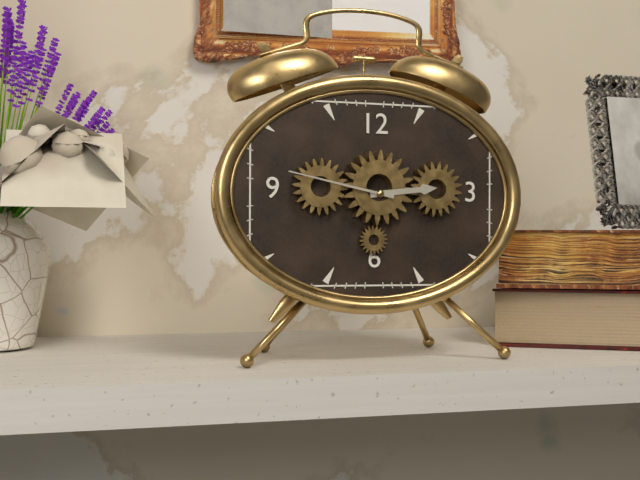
2:47
